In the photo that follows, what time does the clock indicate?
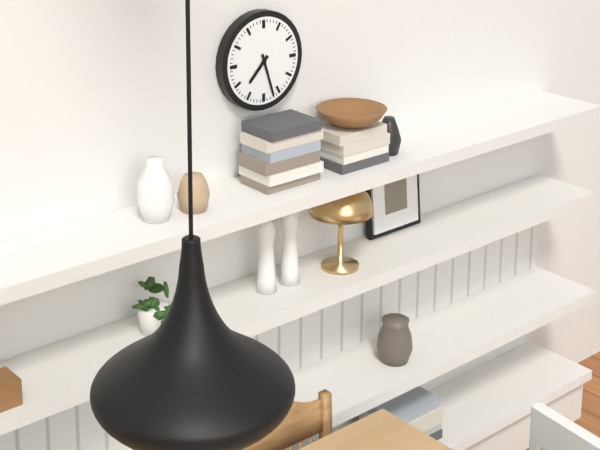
7:27
